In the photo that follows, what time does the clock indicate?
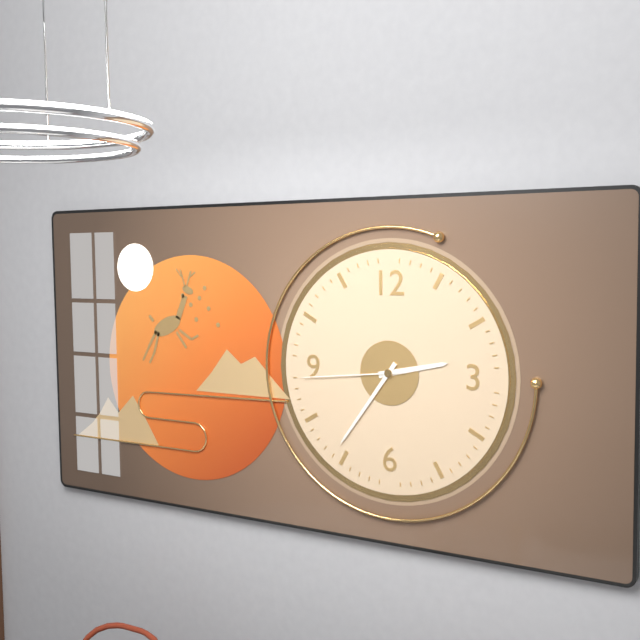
2:36:44
